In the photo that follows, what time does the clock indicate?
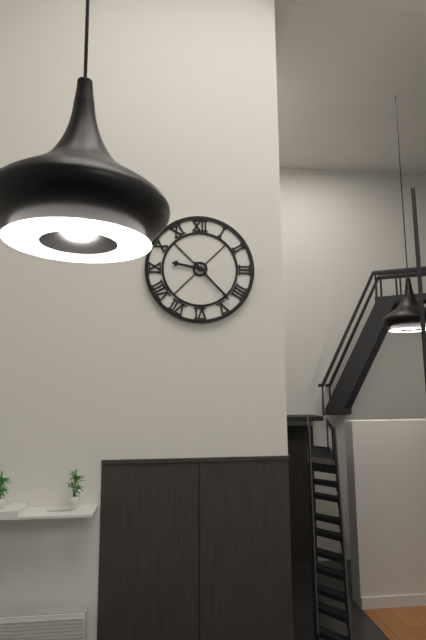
9:23
